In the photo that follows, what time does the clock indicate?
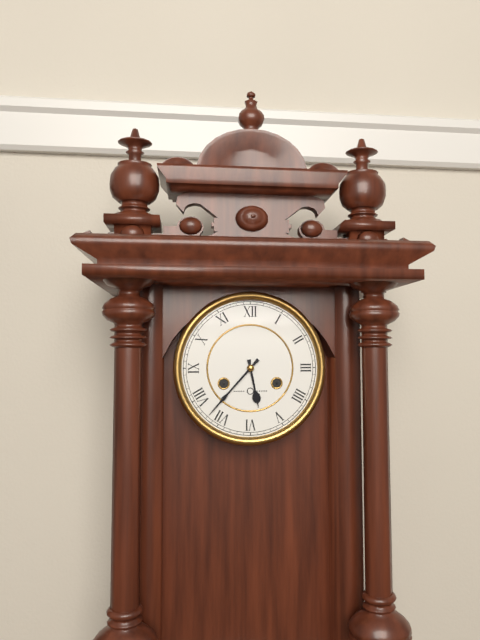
5:37
